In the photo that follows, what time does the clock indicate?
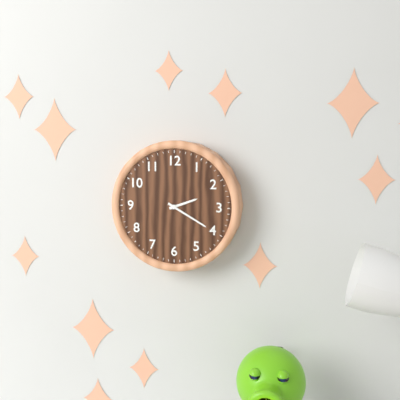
2:20
